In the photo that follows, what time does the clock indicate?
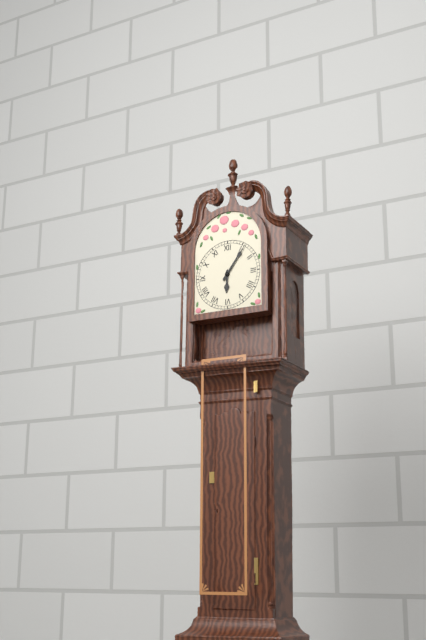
6:06
